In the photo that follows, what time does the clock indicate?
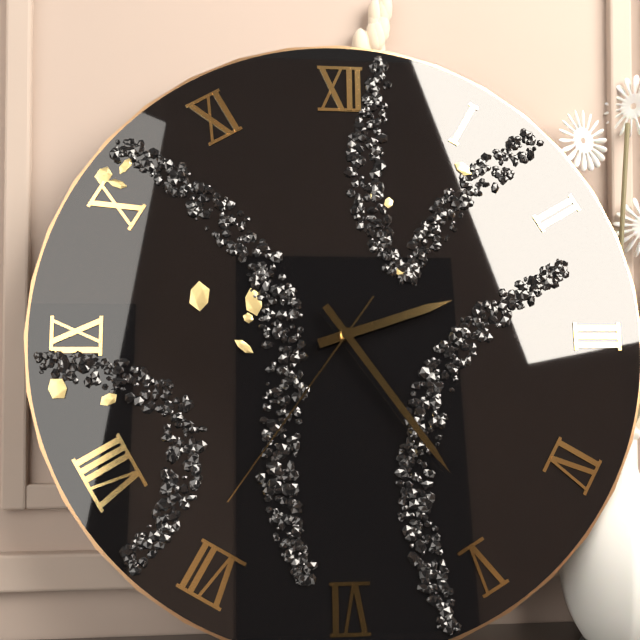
2:24:36
